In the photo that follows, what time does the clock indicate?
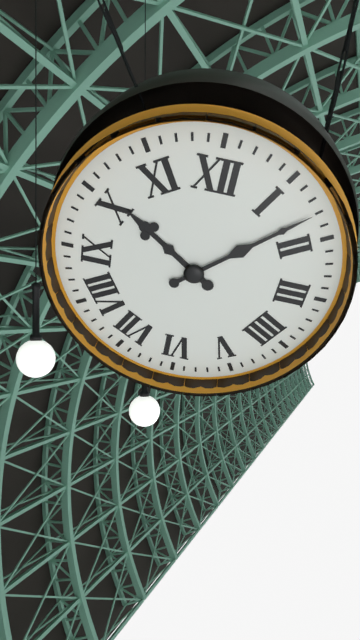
10:08
